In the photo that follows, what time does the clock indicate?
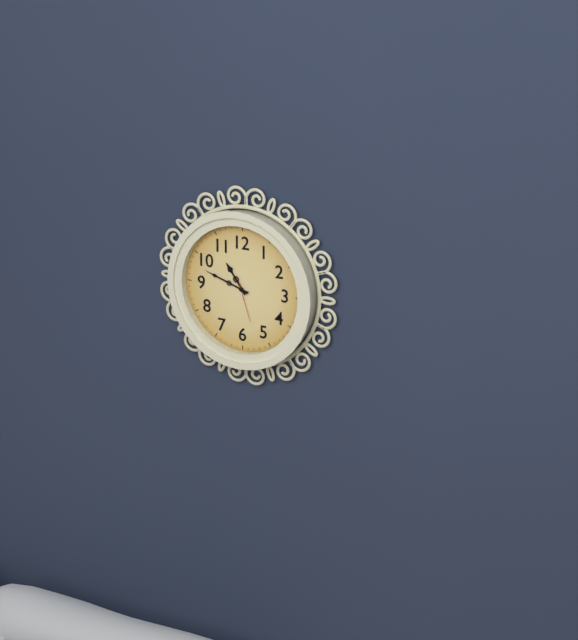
10:48
